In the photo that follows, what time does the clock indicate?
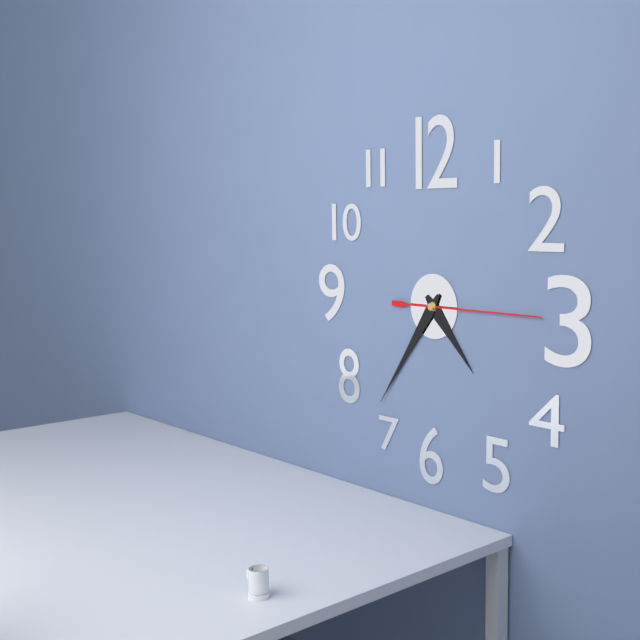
4:36:15
